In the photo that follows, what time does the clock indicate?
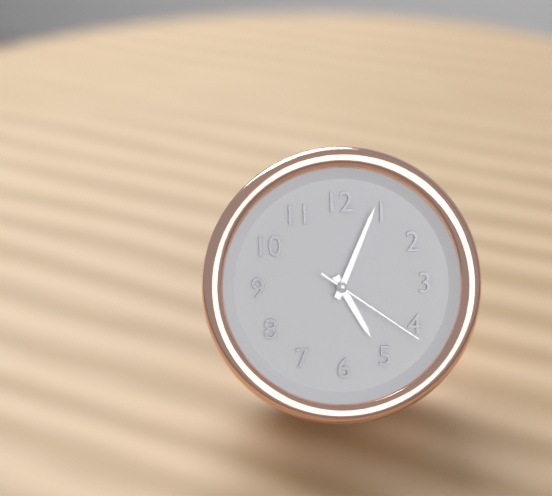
5:04:21
